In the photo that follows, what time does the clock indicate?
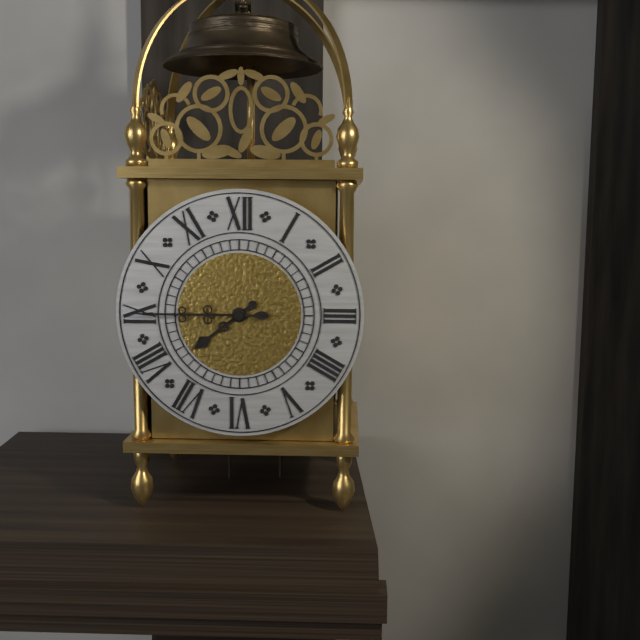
7:45
